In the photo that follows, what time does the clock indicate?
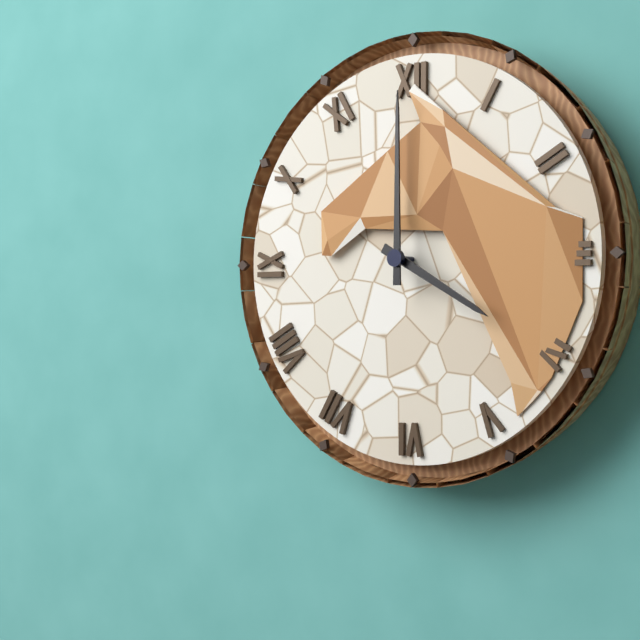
4:00
